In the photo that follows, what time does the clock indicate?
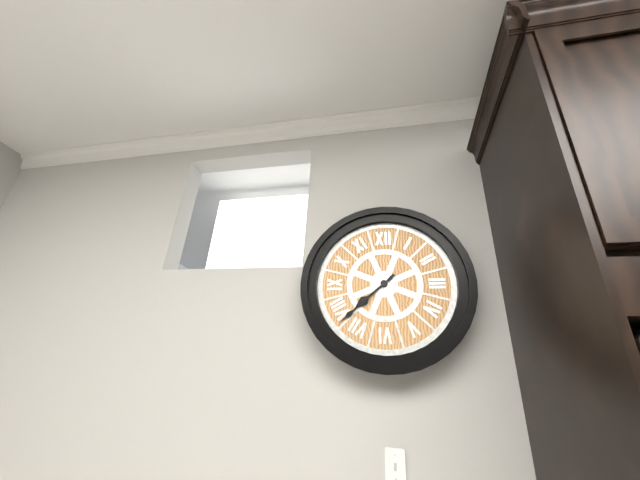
7:38
